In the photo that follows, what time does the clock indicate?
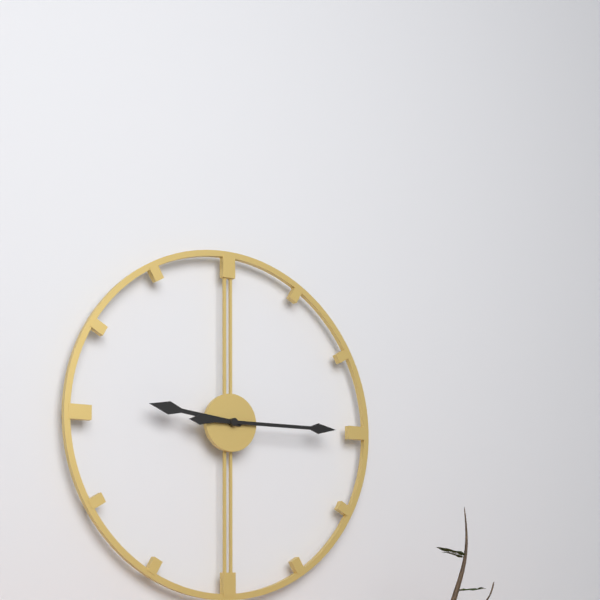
9:15
